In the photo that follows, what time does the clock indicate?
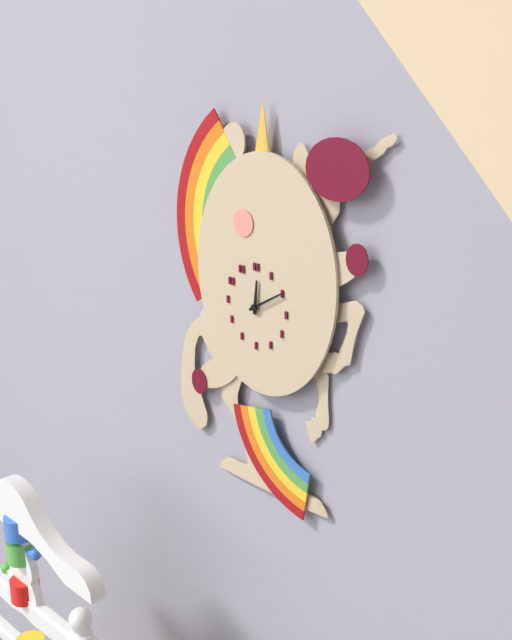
12:10
